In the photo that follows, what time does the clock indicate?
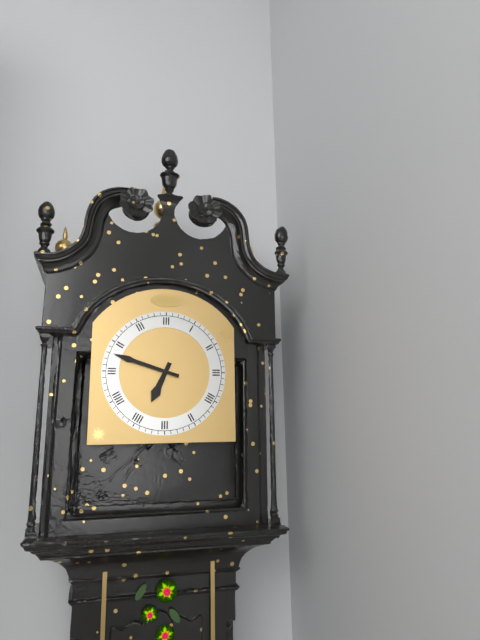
6:48
